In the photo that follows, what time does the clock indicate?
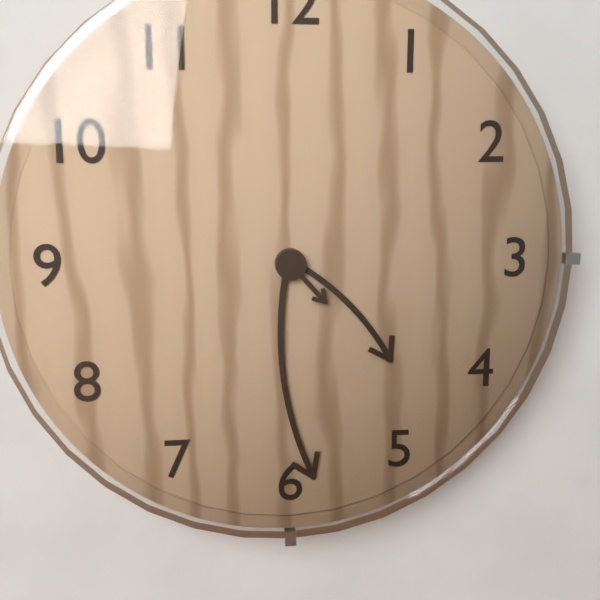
4:29:23
